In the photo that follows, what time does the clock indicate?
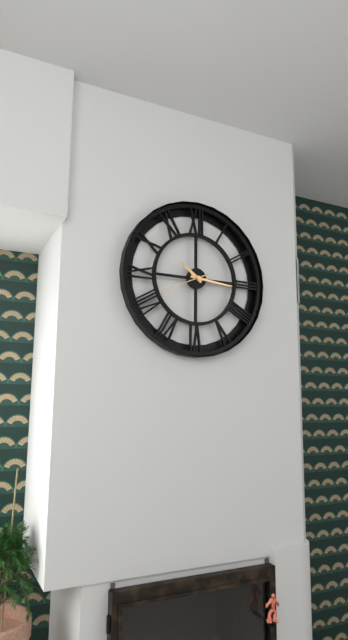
10:16
